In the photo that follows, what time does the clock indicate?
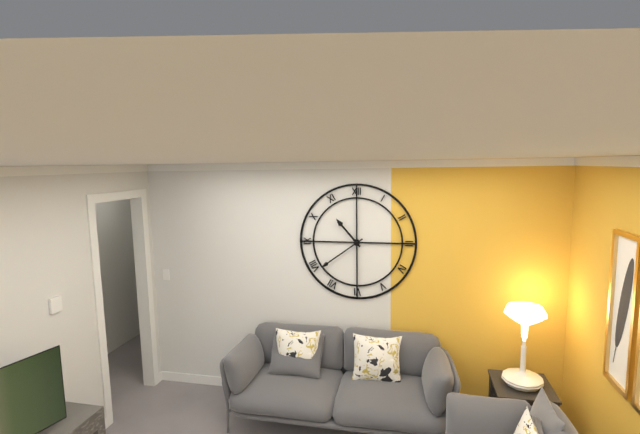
10:39
